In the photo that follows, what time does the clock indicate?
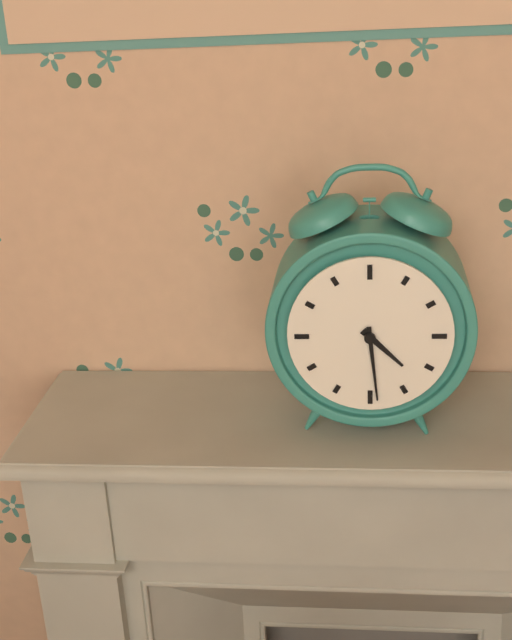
4:29
